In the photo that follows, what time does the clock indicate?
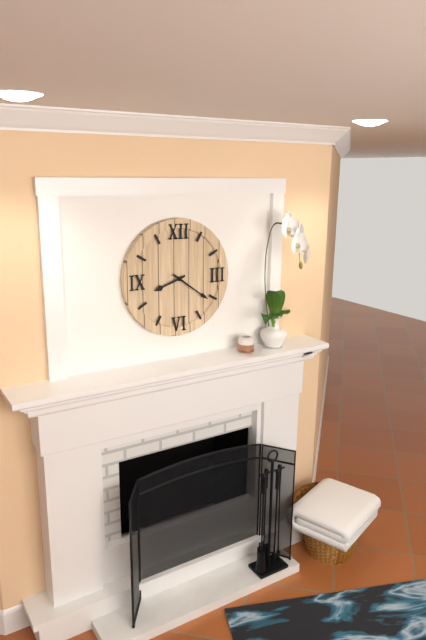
8:21
